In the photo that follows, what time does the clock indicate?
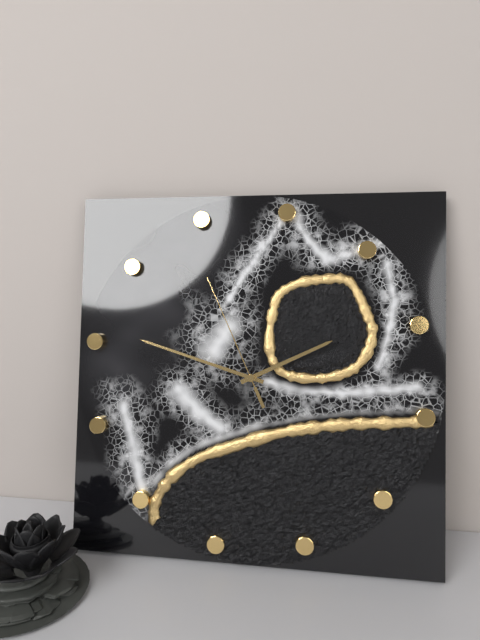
1:46:54
